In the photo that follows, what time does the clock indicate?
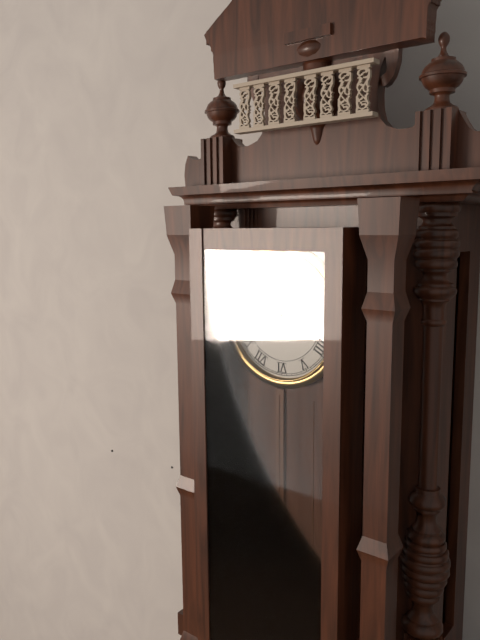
10:01
